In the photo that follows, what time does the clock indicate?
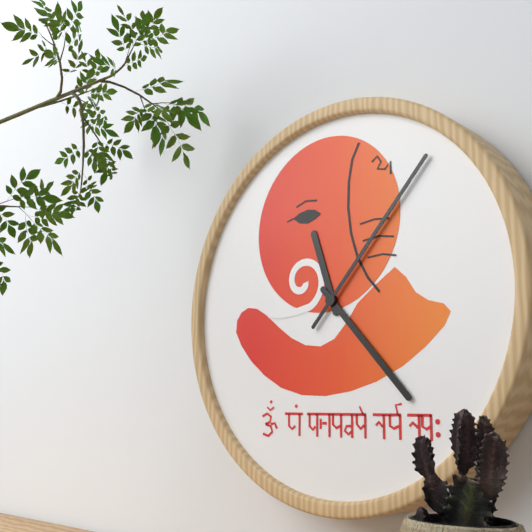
11:23:07
